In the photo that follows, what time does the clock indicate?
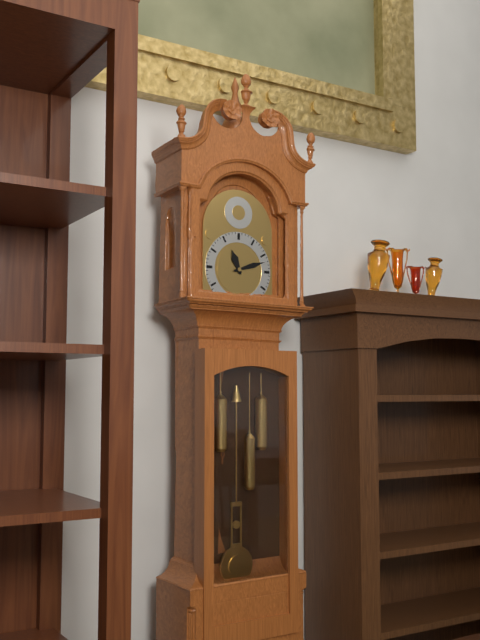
11:12
